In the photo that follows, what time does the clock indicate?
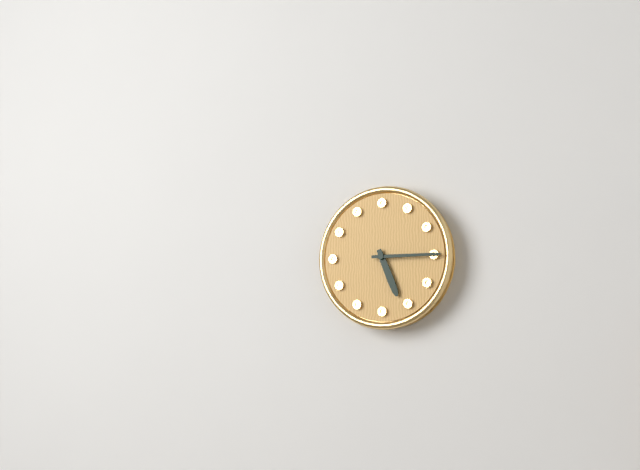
5:15
